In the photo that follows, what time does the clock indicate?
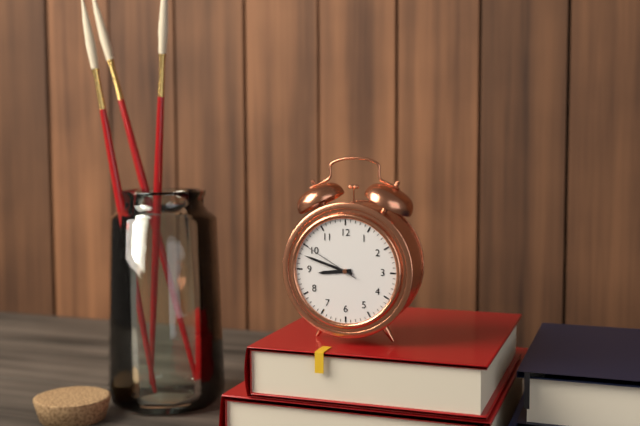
8:48:50
